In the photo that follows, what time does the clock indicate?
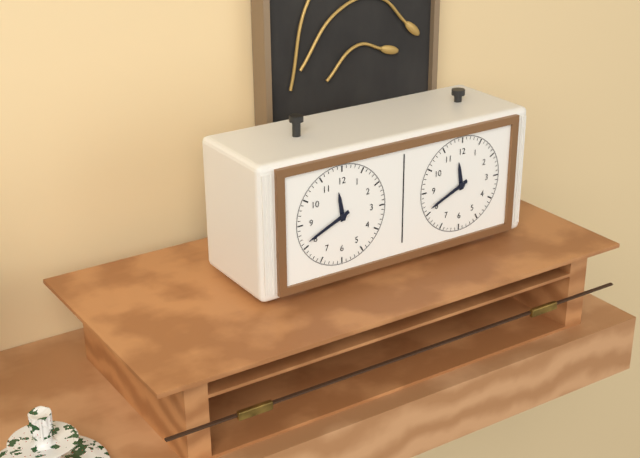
11:41
